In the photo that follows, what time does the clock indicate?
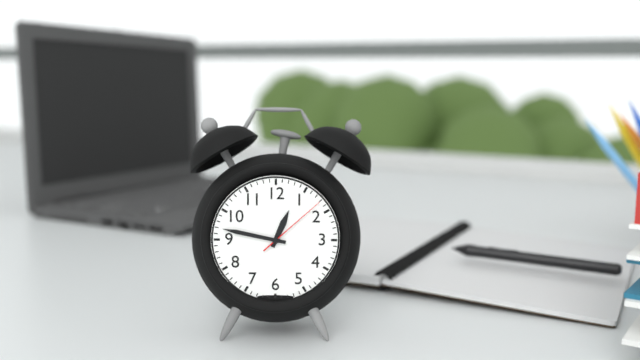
12:47:08
